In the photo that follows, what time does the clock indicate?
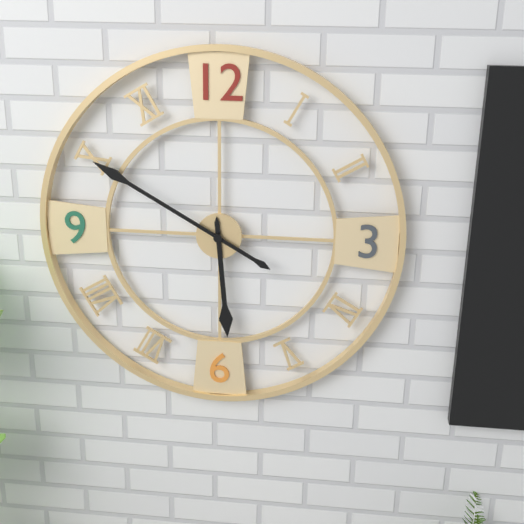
5:50
